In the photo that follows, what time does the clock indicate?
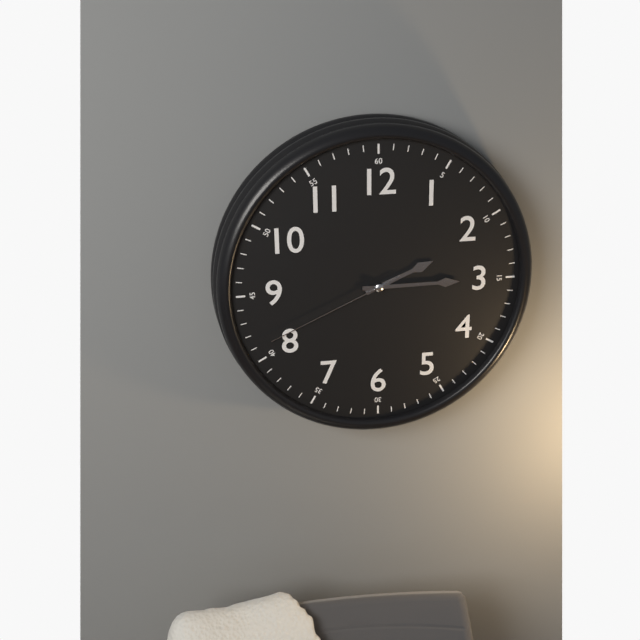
2:15:41
